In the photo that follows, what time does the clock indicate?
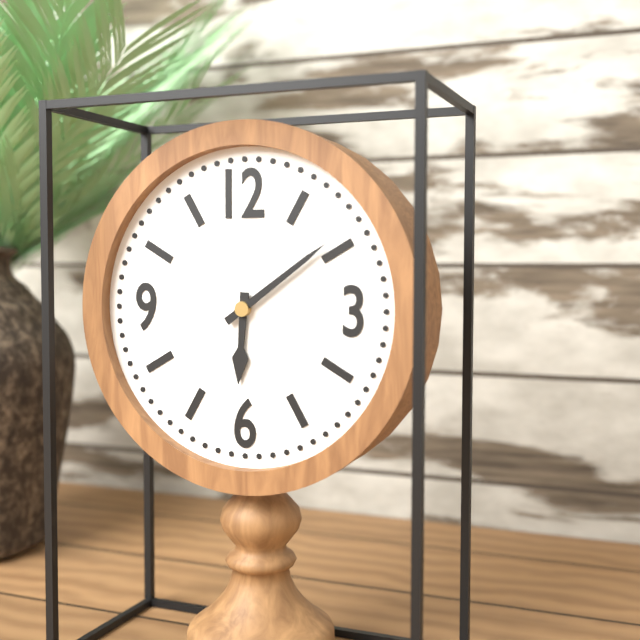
6:09
